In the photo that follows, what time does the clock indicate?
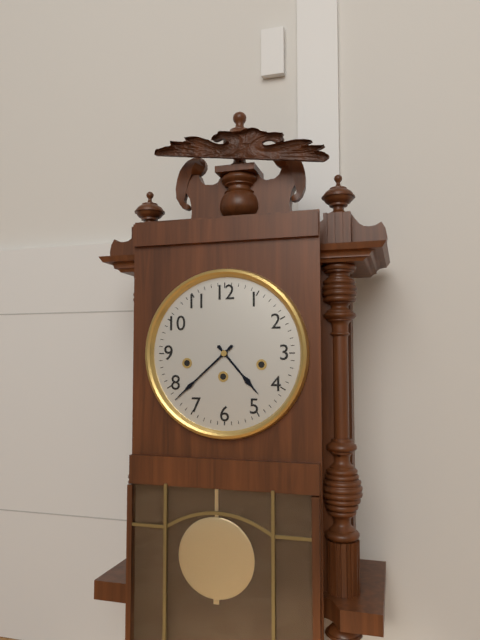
4:38
